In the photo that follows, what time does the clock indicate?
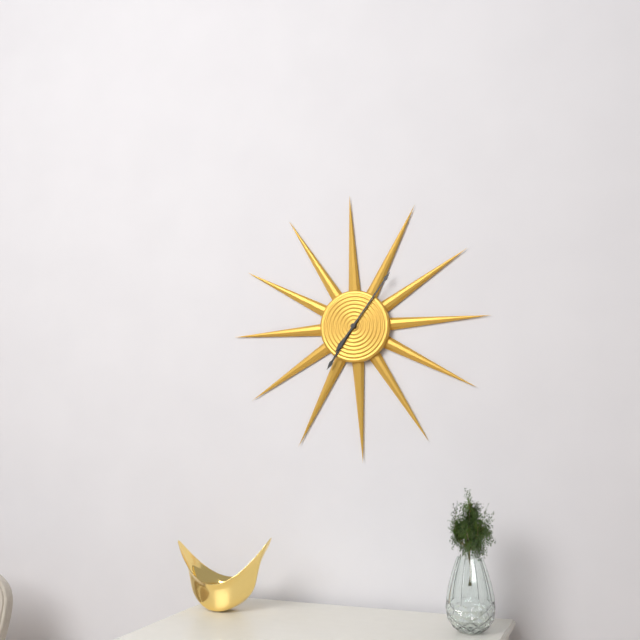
7:06
